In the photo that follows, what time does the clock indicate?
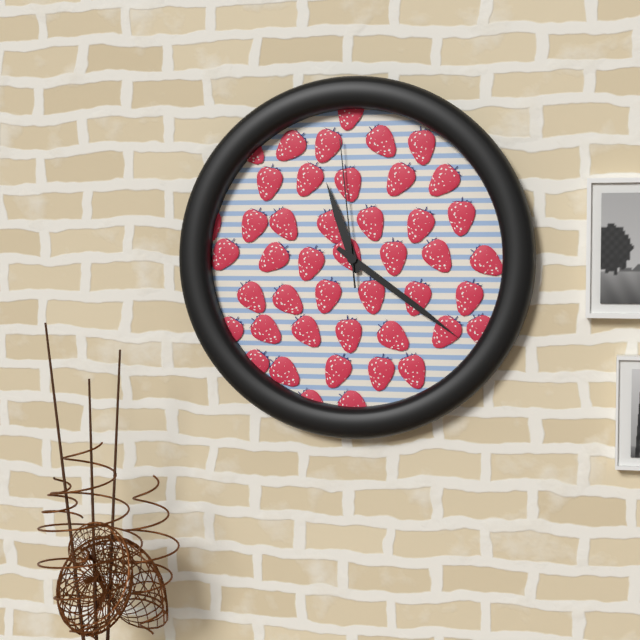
11:21:59
